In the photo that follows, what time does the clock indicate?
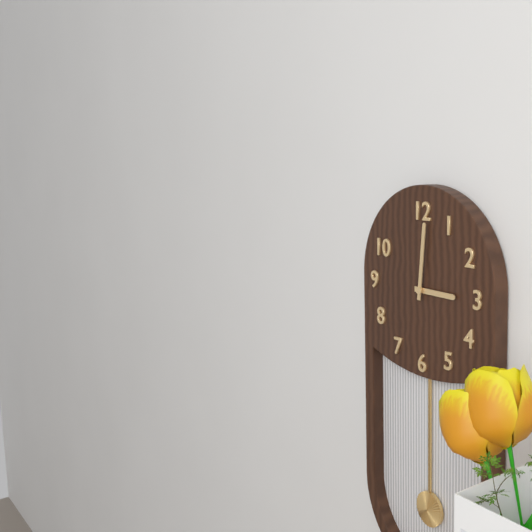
3:01
